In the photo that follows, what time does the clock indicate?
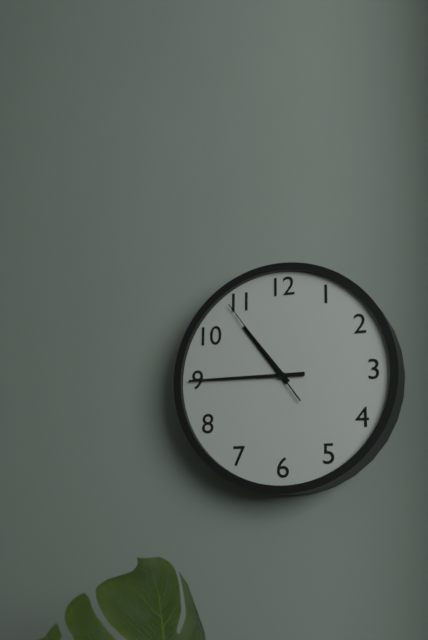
10:45:54
